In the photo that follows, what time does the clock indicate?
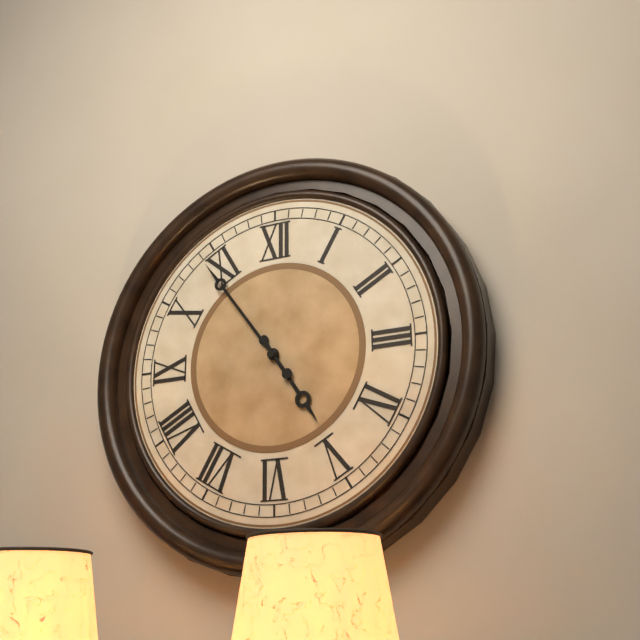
4:54
